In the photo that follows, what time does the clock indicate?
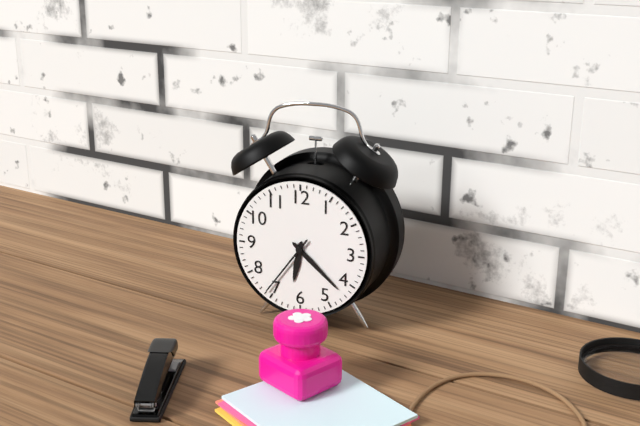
6:22:36
